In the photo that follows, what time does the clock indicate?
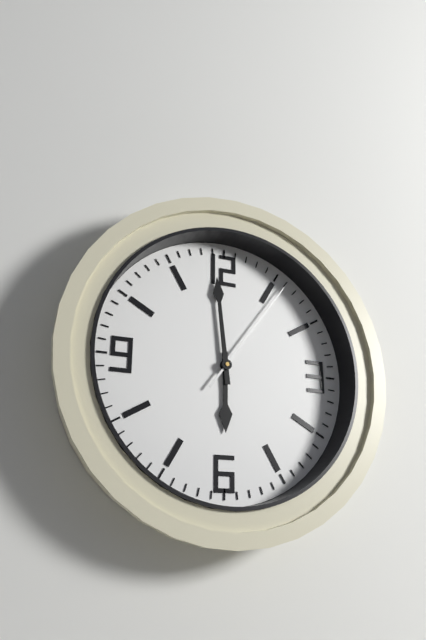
5:59:06
